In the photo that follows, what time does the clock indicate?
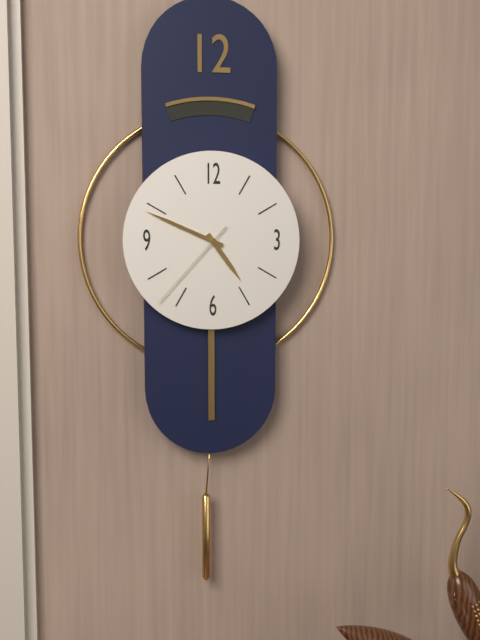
4:49:37
